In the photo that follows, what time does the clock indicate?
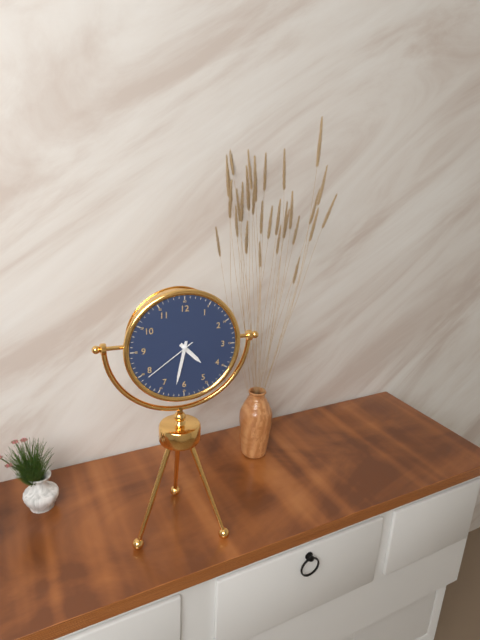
4:32:39
